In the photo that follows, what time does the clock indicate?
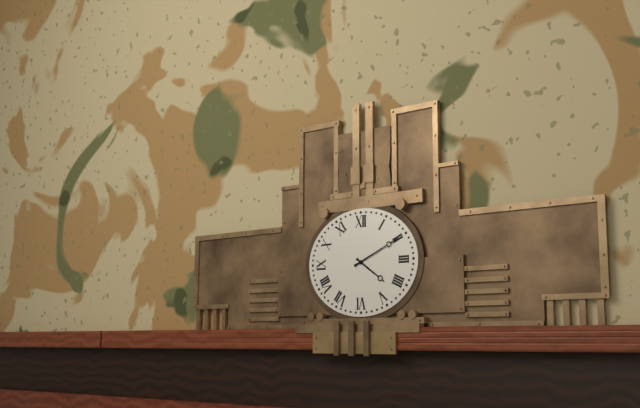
4:11
